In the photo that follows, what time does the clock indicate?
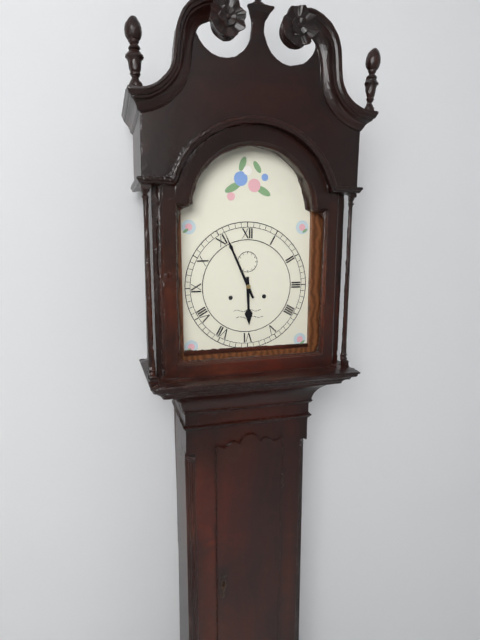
5:56
